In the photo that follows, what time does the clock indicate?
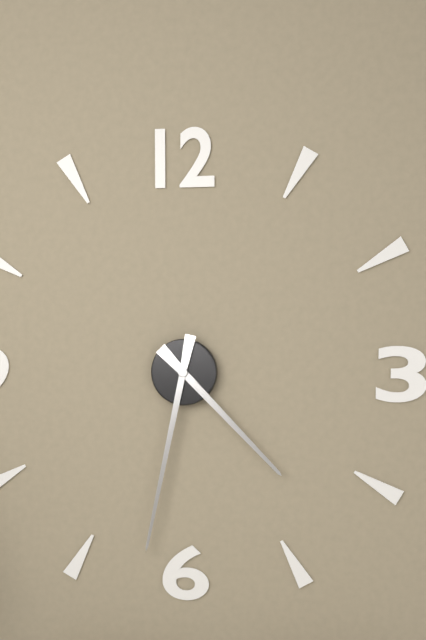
4:32
